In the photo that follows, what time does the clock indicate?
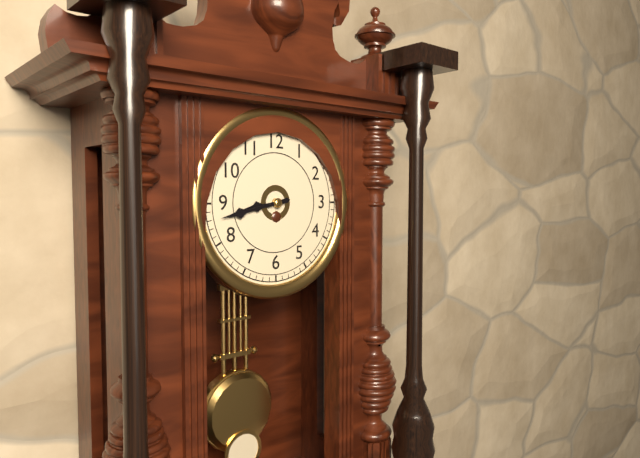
8:43
